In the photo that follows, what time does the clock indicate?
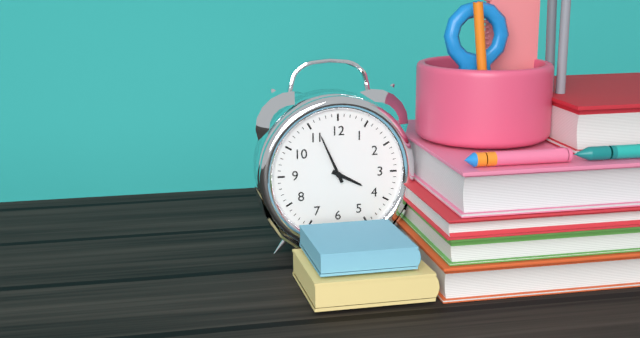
3:56
